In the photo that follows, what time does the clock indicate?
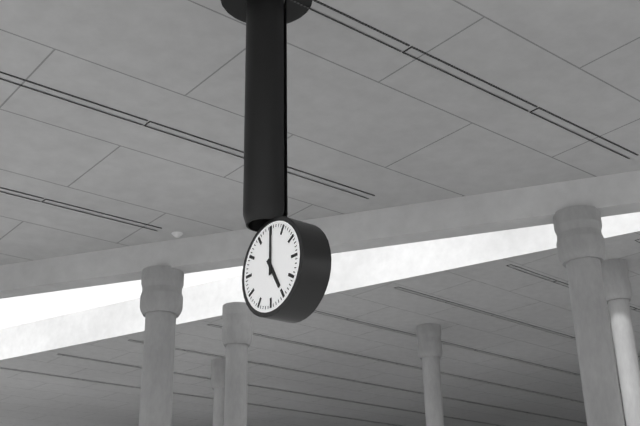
5:00
